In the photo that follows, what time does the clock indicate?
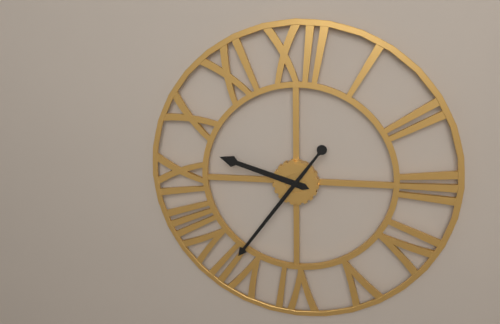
9:36
